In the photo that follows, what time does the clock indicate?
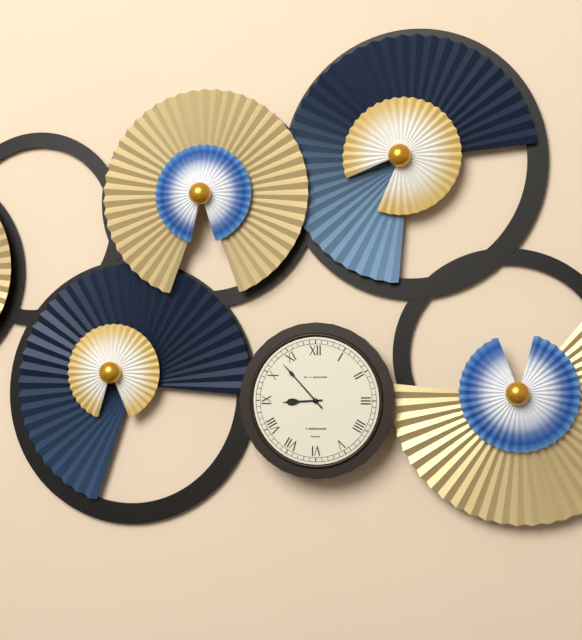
8:53
